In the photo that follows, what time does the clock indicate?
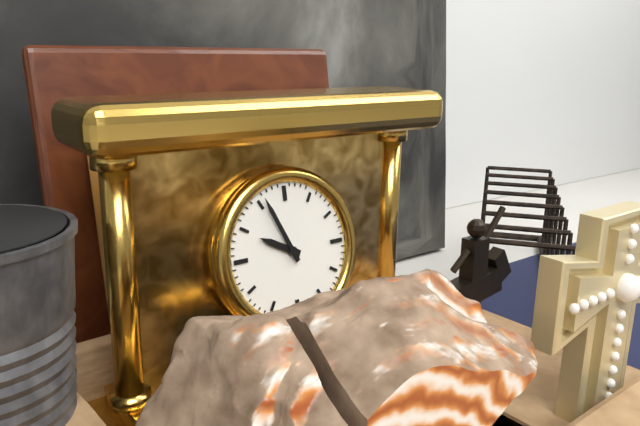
9:56
